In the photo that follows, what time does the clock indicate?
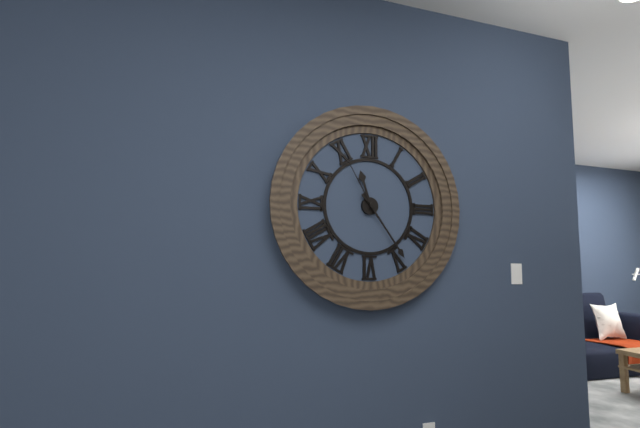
11:24:55
